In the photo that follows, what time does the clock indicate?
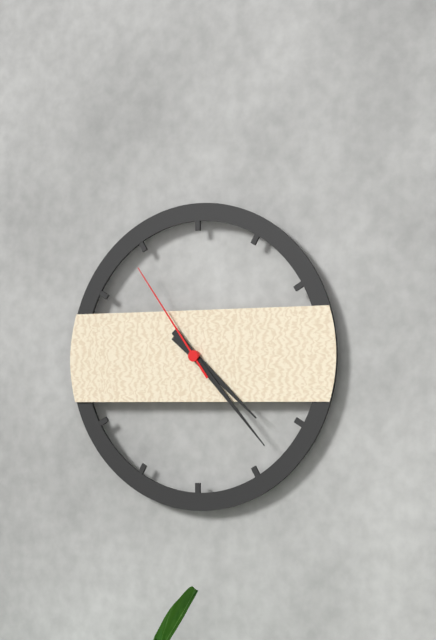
4:23:54
